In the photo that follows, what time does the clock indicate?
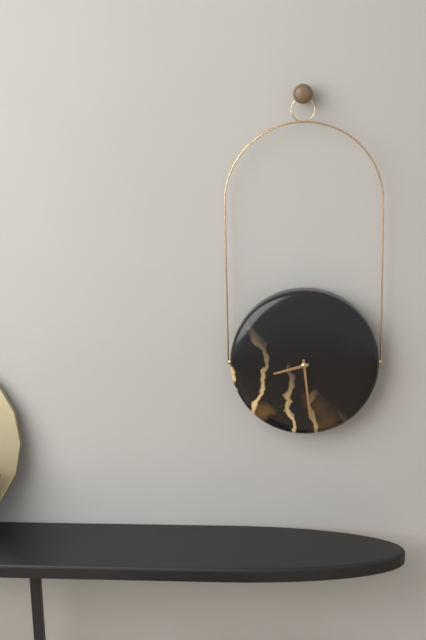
8:29
